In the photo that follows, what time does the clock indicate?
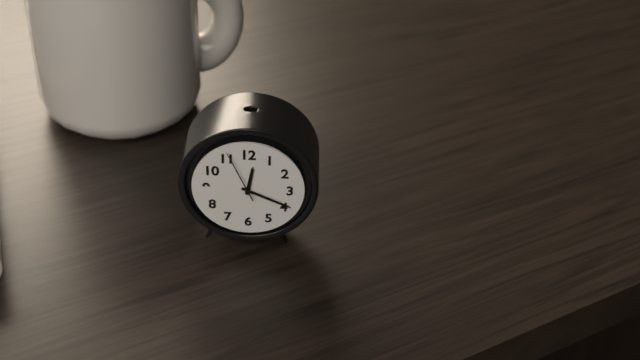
12:19:56
